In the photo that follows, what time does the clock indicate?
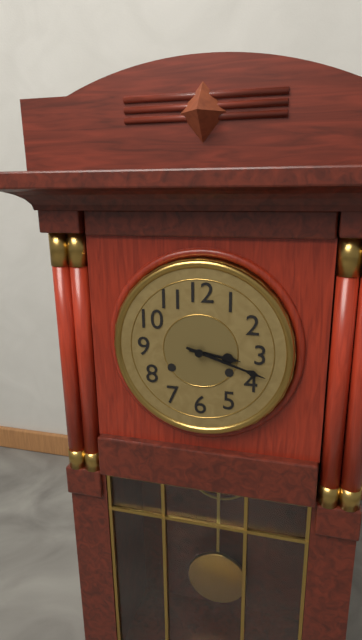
3:18
